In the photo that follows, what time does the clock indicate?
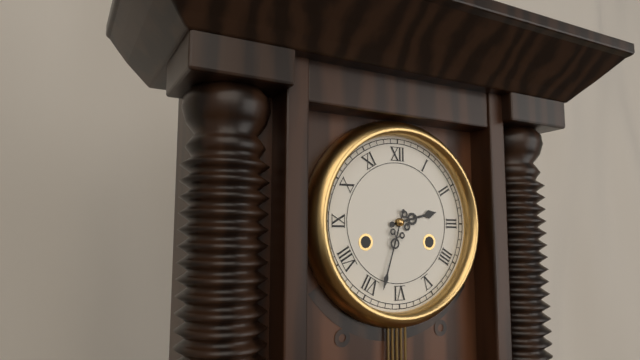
2:33
